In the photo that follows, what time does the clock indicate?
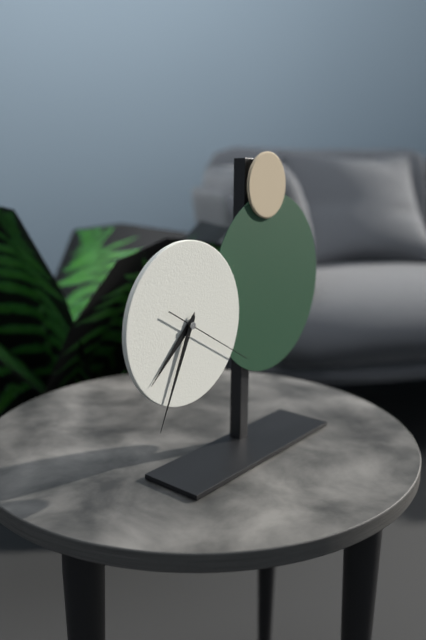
7:34:20
